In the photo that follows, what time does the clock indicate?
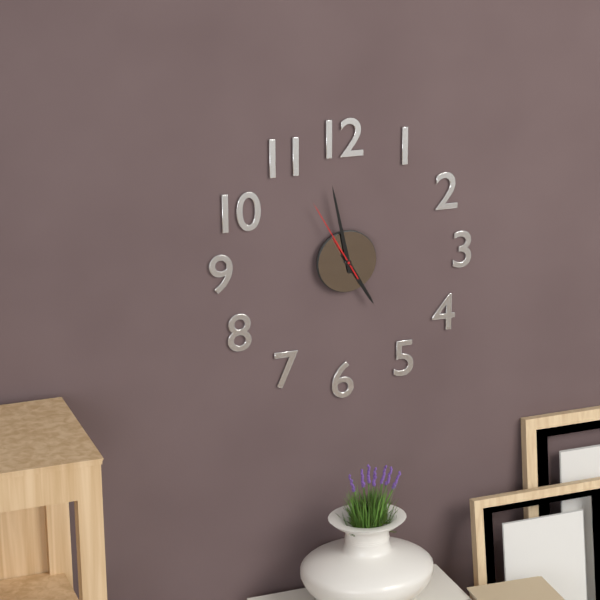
4:58:55
